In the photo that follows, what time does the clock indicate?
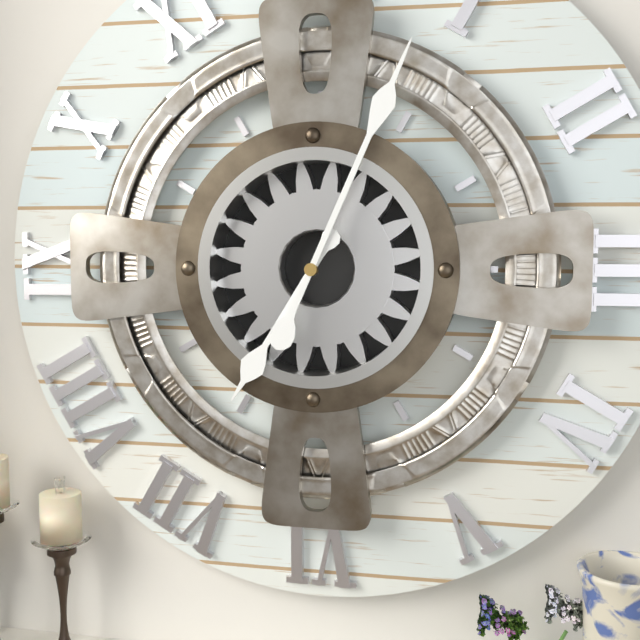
7:04
